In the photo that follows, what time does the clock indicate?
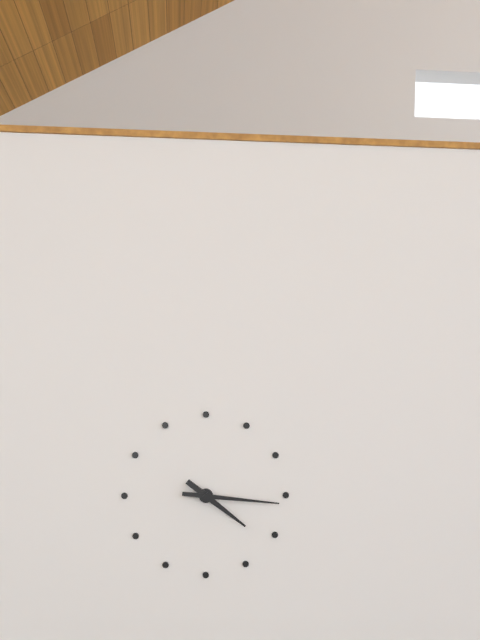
4:16
